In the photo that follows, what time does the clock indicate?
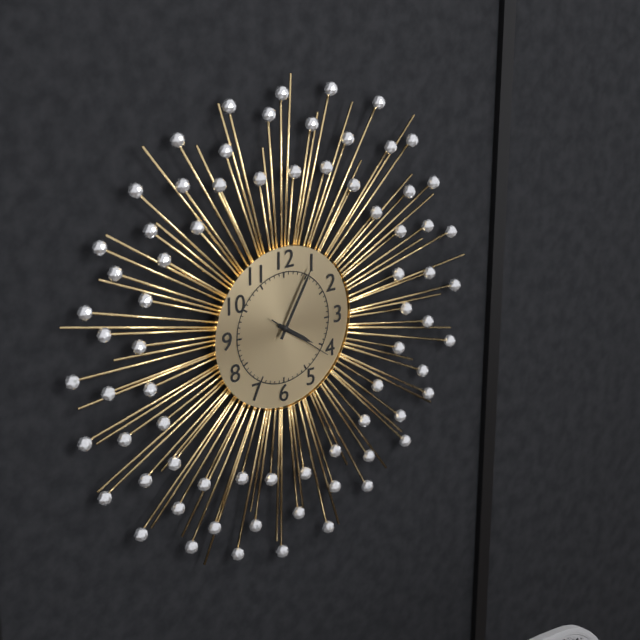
4:05:21
